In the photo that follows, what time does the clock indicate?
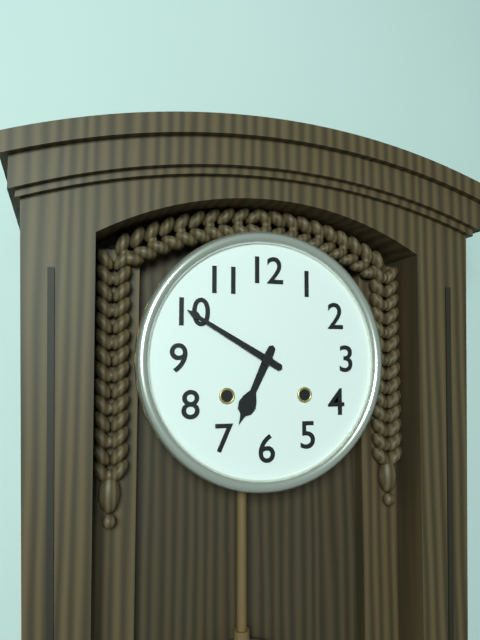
6:50
